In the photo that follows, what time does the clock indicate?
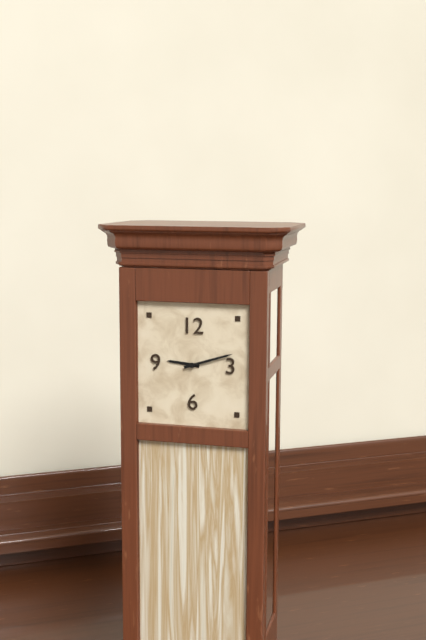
9:12
